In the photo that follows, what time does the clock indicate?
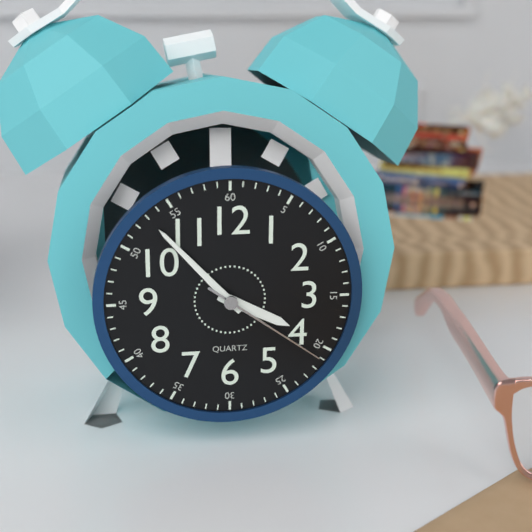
3:53:21
